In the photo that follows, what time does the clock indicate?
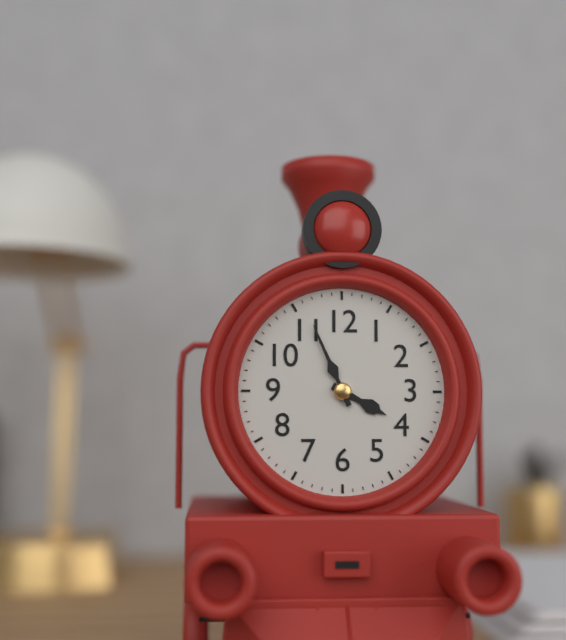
3:56
